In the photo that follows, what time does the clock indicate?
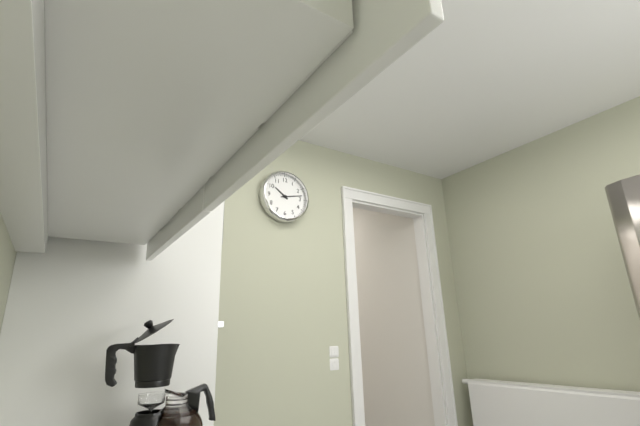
10:13
